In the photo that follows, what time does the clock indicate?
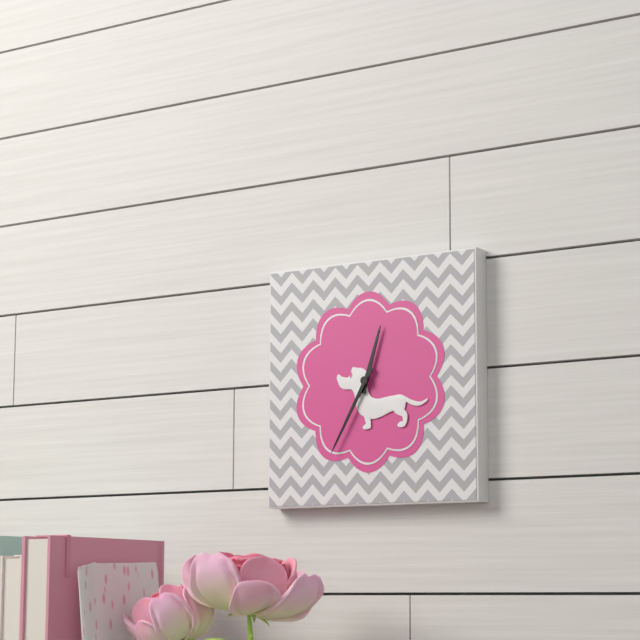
12:35
